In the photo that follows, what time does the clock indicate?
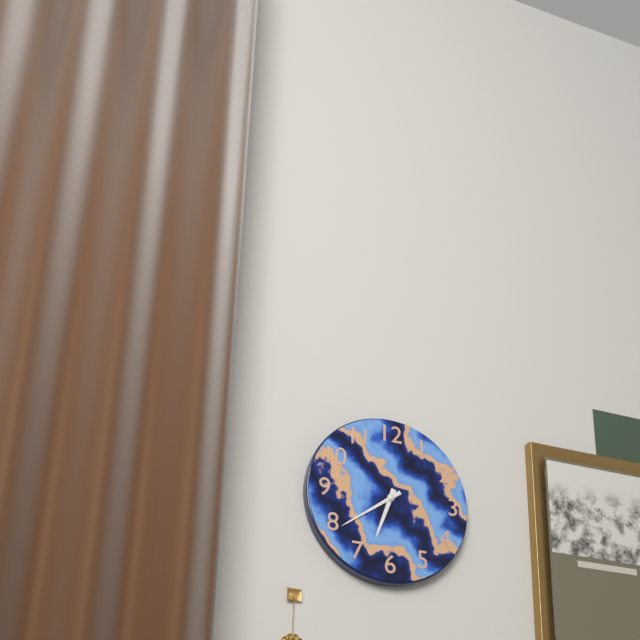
6:39
